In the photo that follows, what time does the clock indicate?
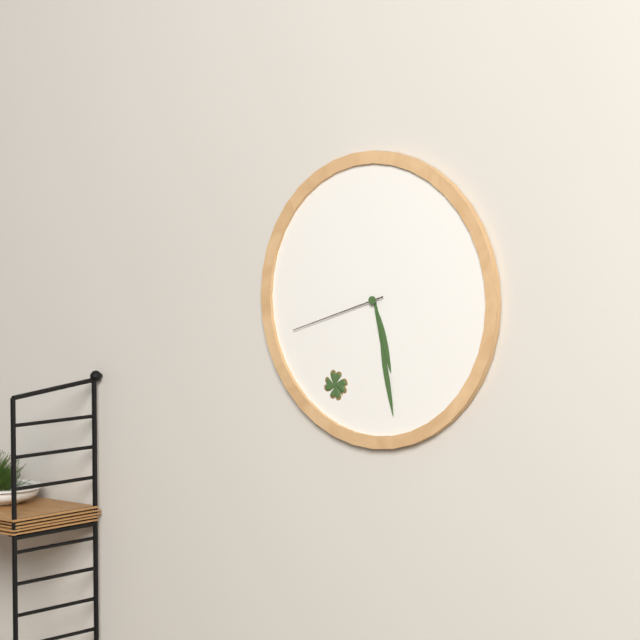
5:28:42
